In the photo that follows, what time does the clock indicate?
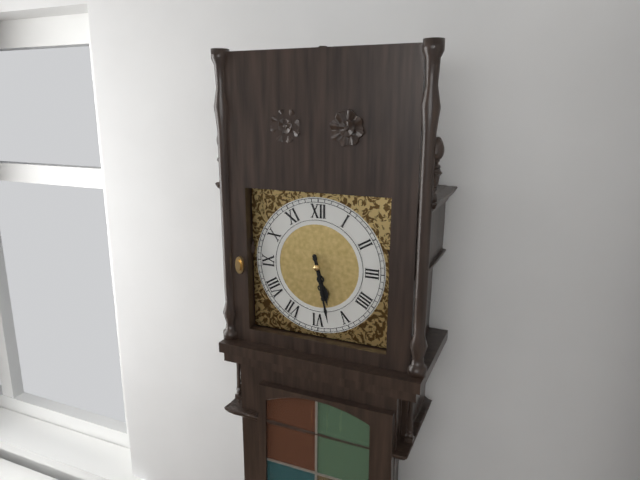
5:28
